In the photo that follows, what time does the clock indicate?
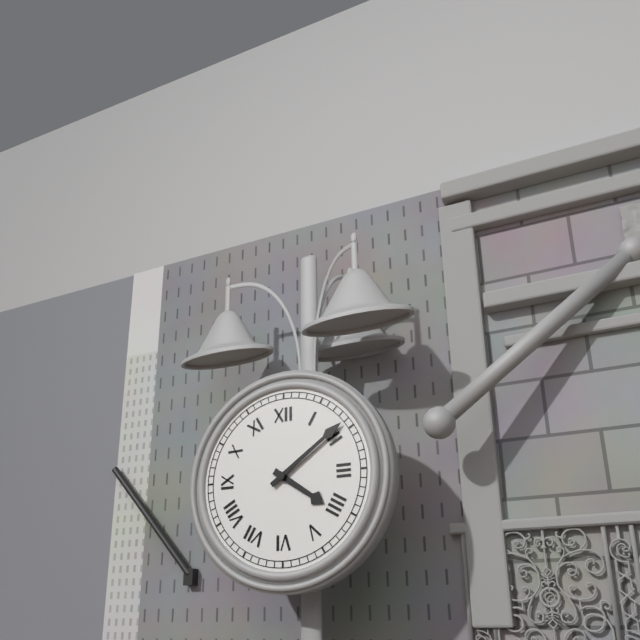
4:09
